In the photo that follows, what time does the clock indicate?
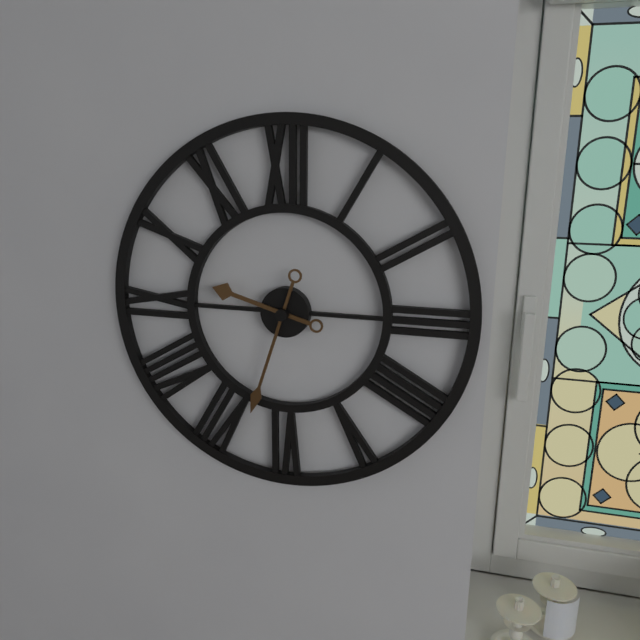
9:33
